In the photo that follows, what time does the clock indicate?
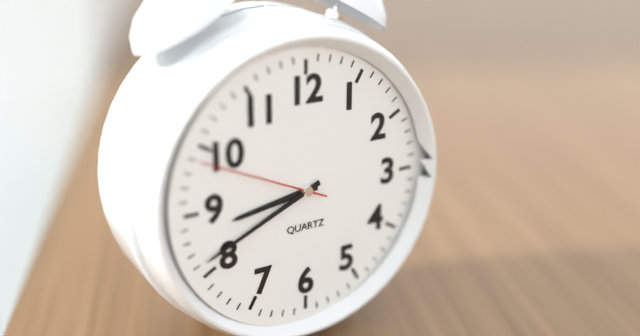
8:41:49
